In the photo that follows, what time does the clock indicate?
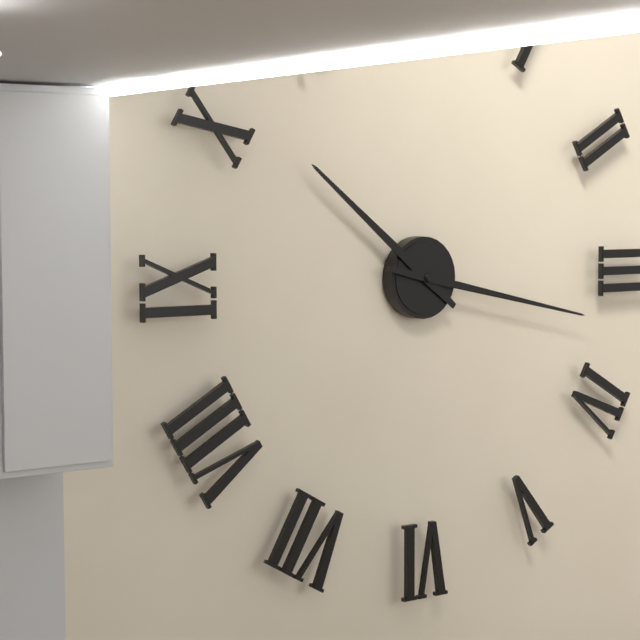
10:17
